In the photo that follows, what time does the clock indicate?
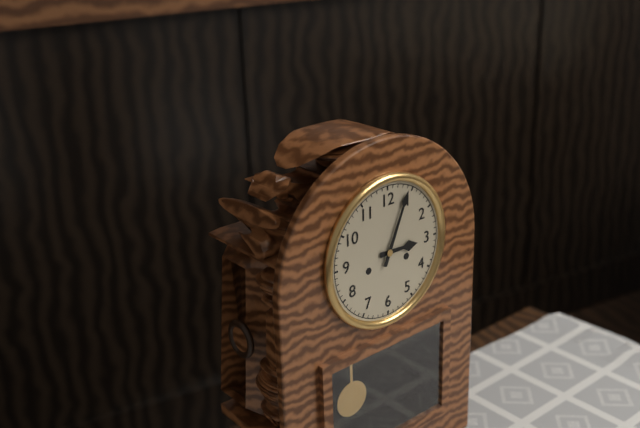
3:04
